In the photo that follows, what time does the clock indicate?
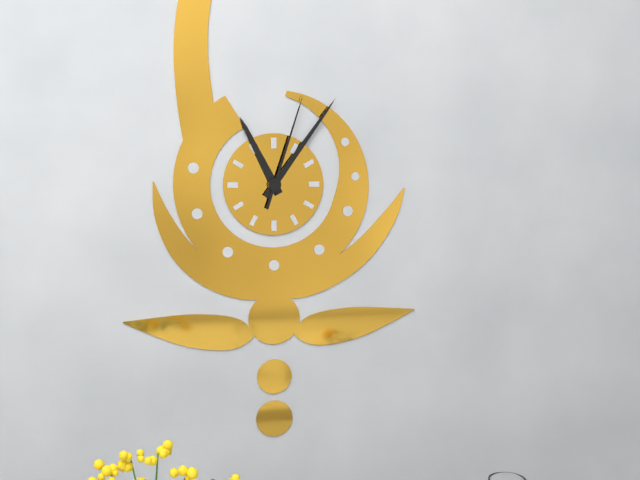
11:06:03
